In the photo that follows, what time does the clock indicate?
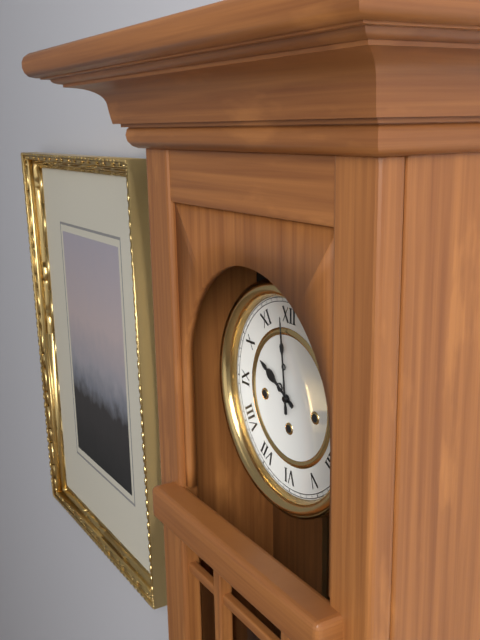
9:59
